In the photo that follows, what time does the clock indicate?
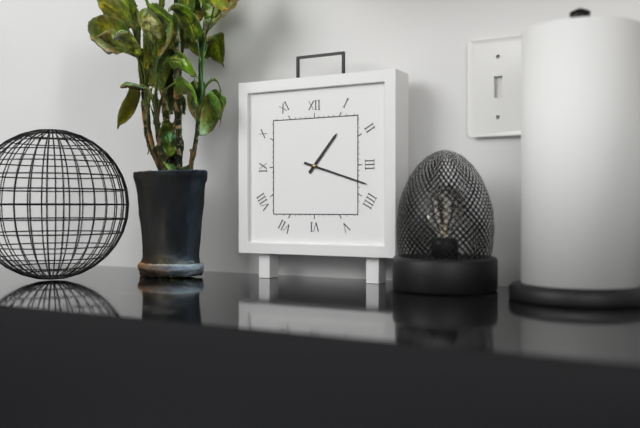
1:18
